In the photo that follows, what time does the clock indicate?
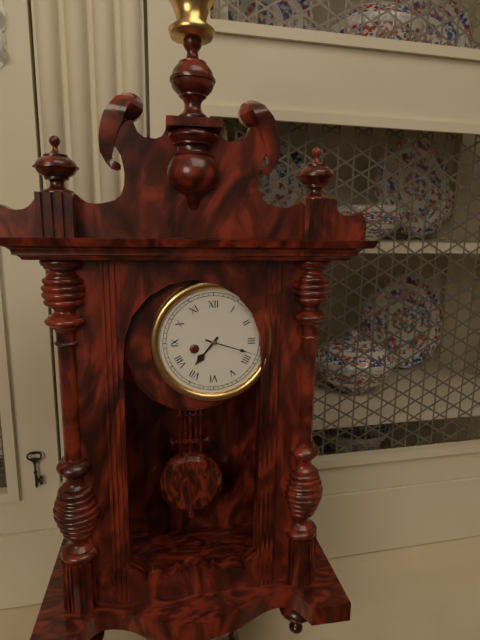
7:18
